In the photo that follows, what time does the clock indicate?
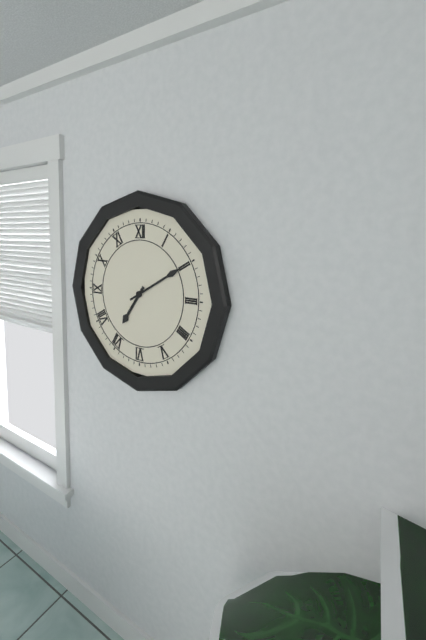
7:10
